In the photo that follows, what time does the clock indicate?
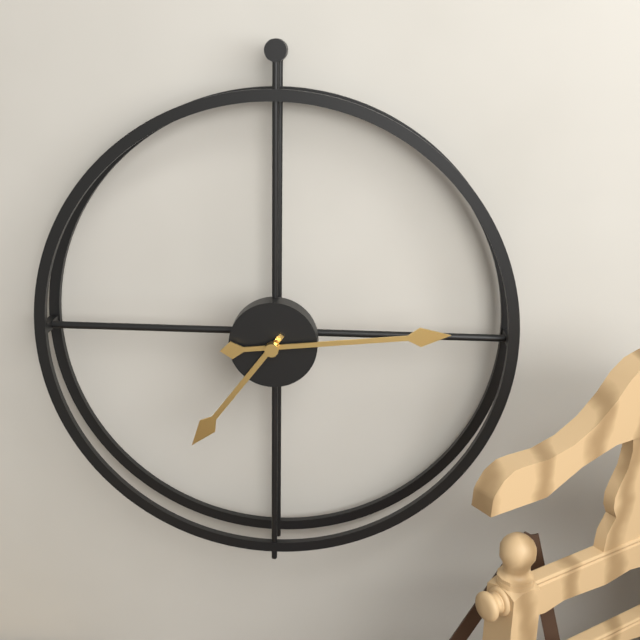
7:14
